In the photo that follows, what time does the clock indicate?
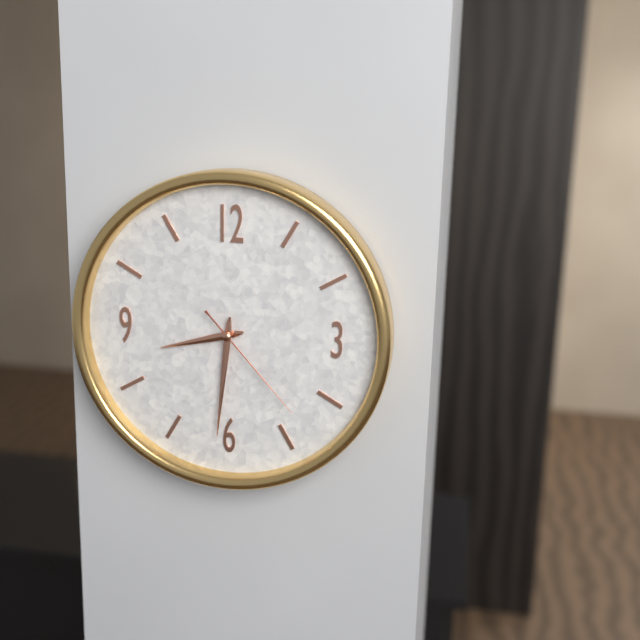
8:31:23
